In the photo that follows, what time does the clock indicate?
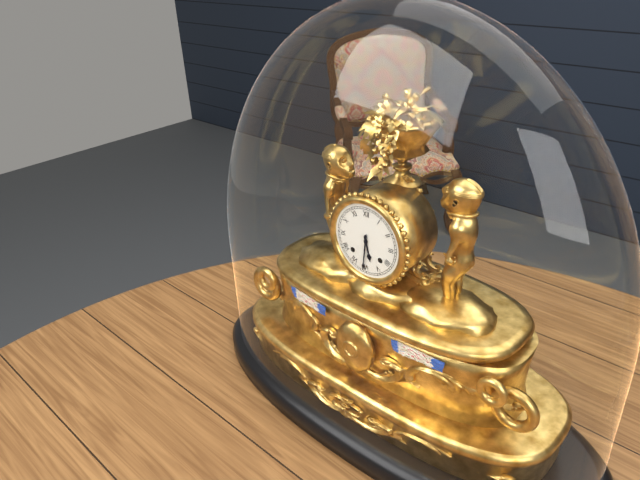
5:31
